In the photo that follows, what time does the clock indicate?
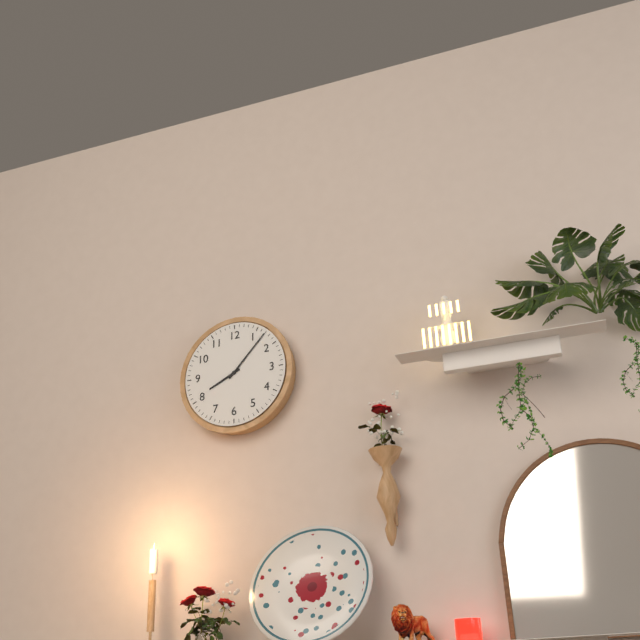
8:07
